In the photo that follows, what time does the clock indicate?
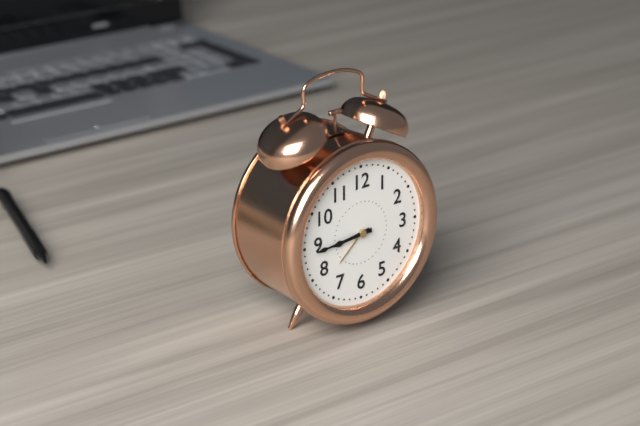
8:44
